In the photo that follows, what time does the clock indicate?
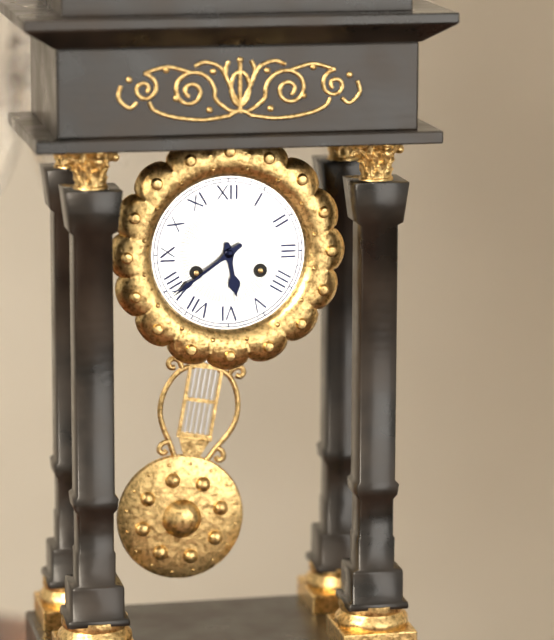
5:39
